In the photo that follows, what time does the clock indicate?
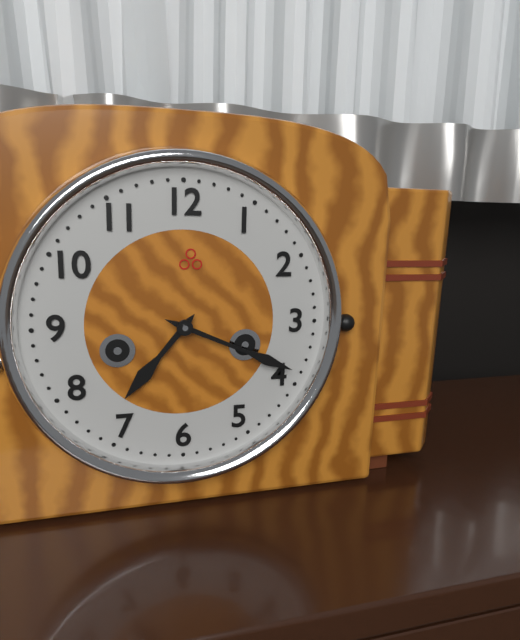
7:19
